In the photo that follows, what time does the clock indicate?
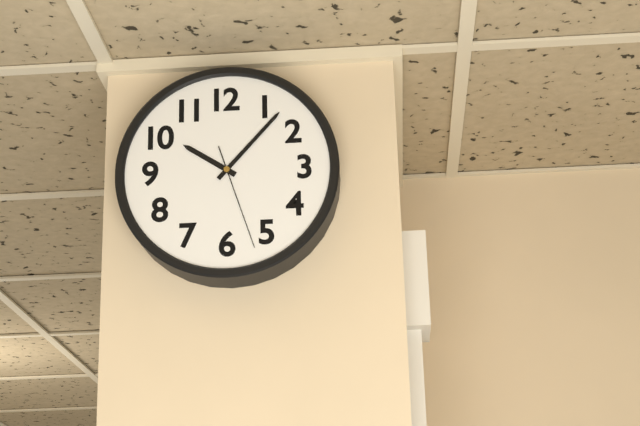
10:07:27
